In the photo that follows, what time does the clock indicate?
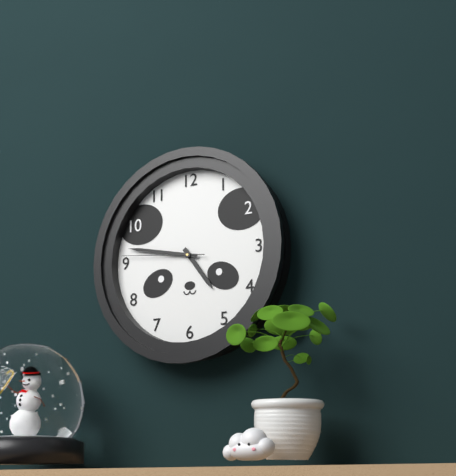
4:47:46
